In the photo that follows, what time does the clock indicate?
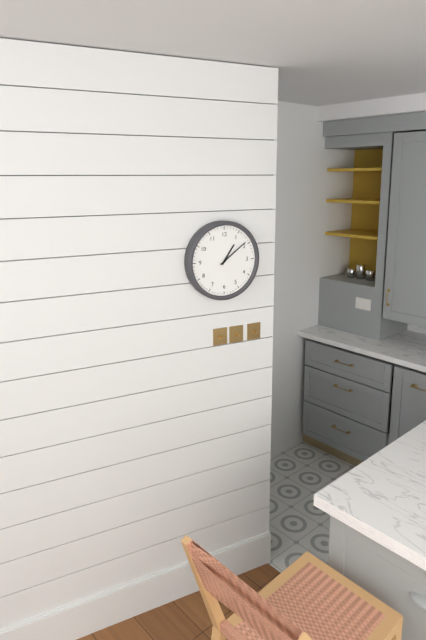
1:09
